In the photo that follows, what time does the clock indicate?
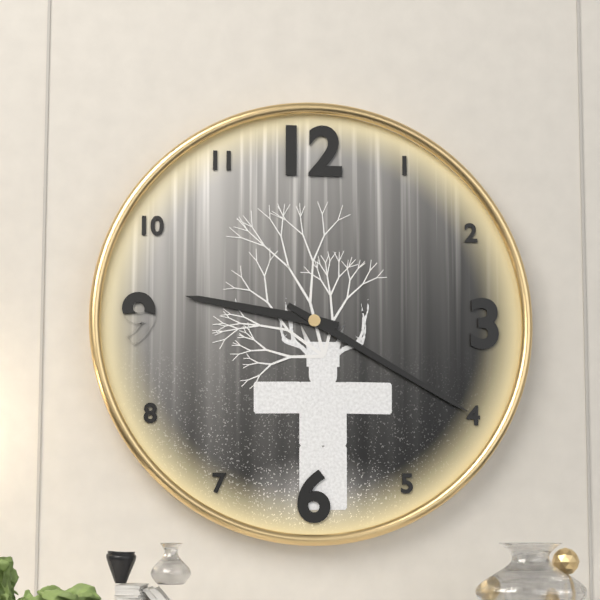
9:20
